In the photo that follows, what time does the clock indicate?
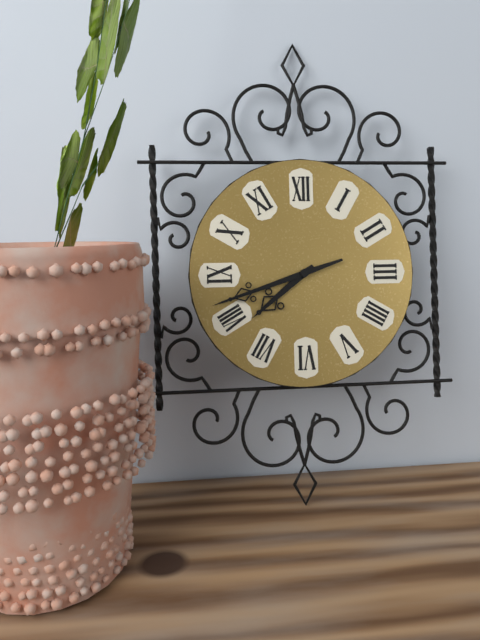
7:42
